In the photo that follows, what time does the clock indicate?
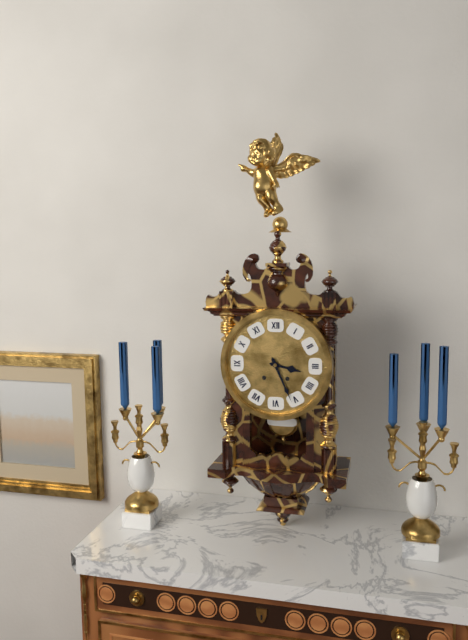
3:26
